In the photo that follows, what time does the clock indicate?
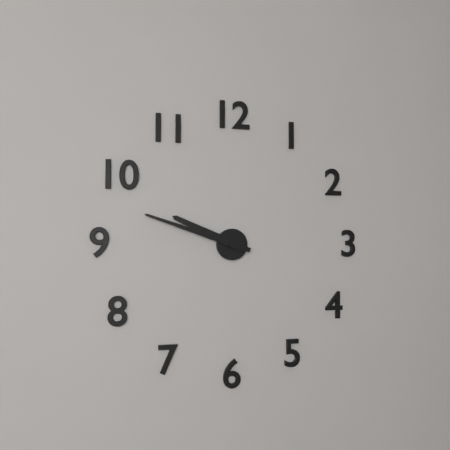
9:48
